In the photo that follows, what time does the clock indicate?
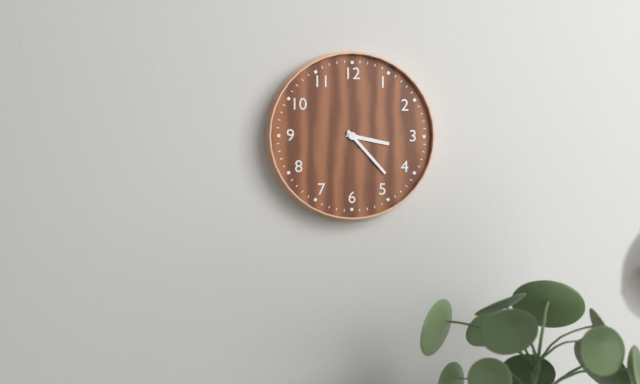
3:23
